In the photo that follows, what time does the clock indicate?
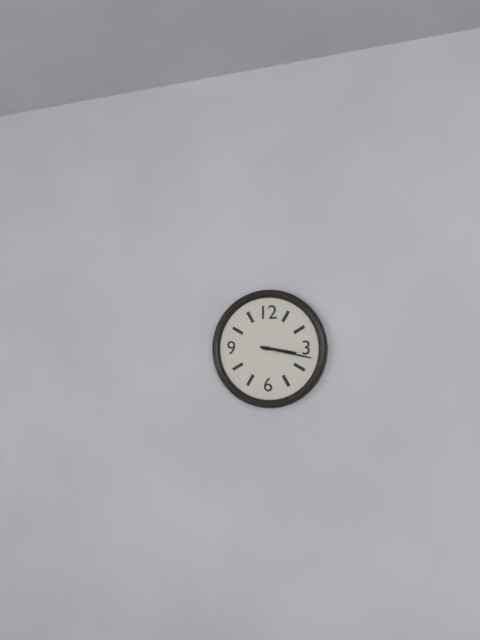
3:17
